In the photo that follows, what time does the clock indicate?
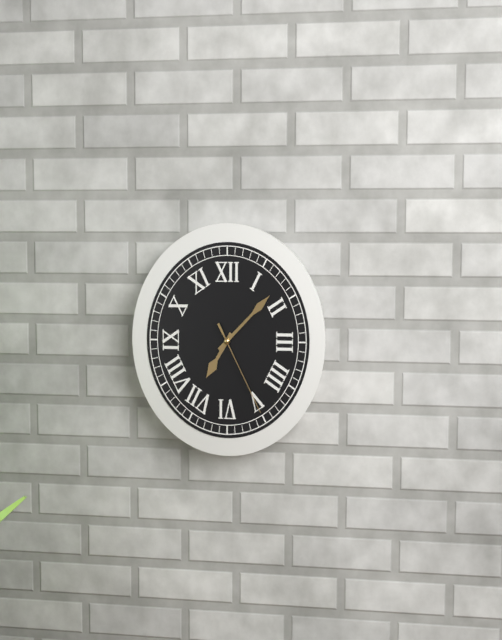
7:08:25
